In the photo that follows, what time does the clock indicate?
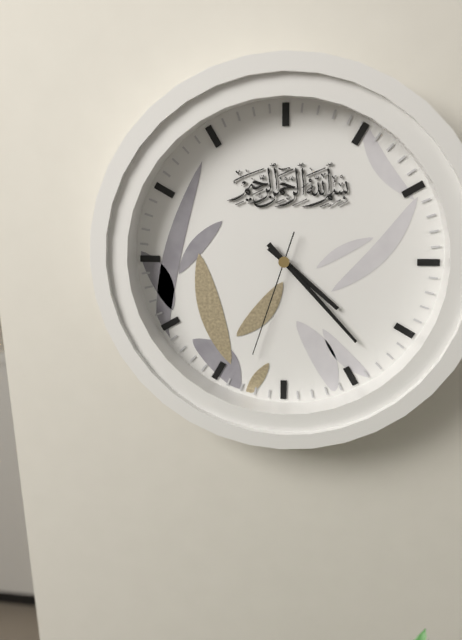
4:23:33
